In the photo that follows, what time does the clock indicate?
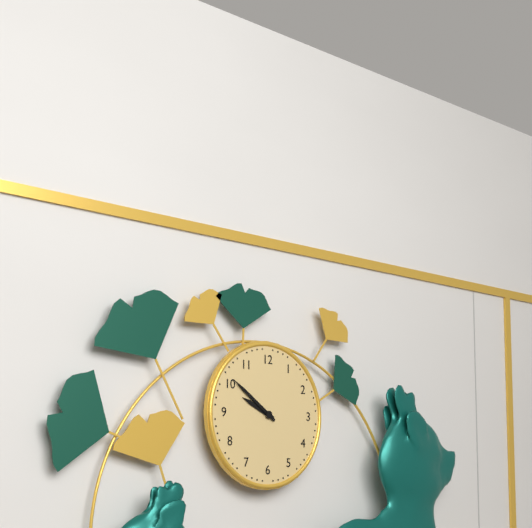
9:51
